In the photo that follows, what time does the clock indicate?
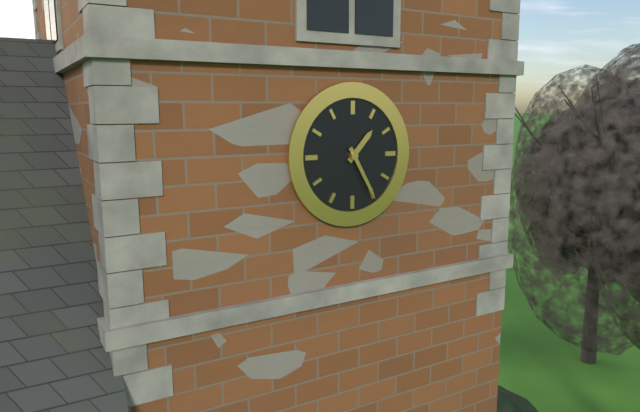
1:25
